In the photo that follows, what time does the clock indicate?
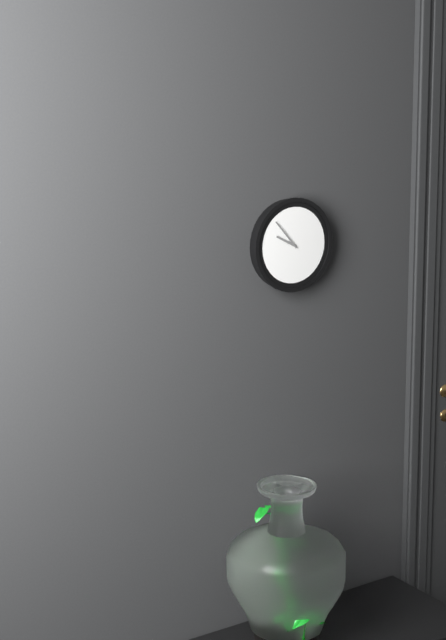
9:53
